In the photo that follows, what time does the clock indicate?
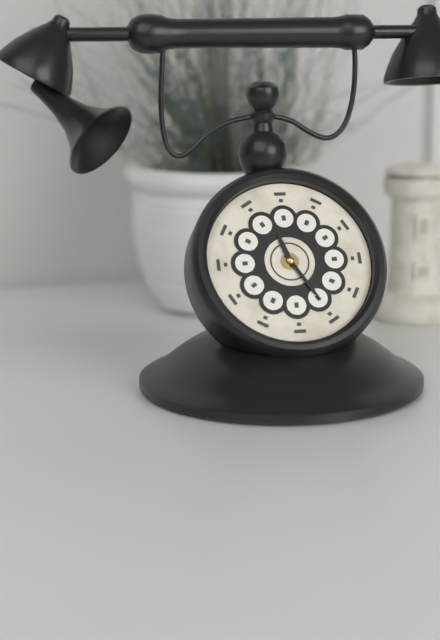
11:25
